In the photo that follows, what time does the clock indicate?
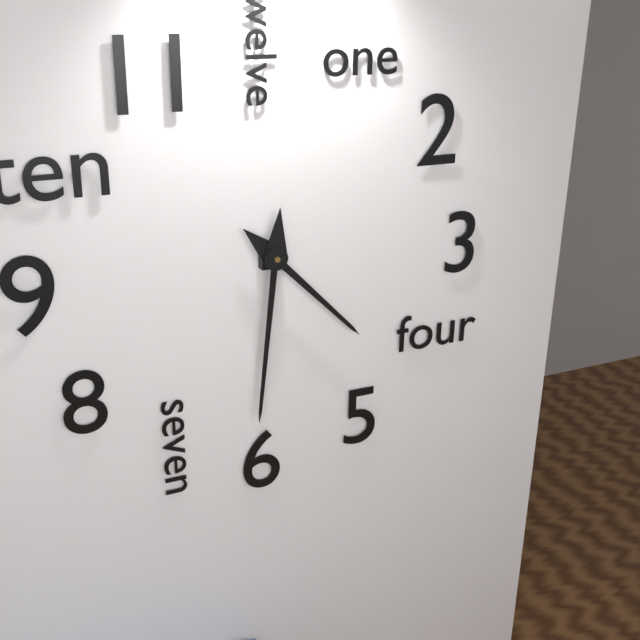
4:31
